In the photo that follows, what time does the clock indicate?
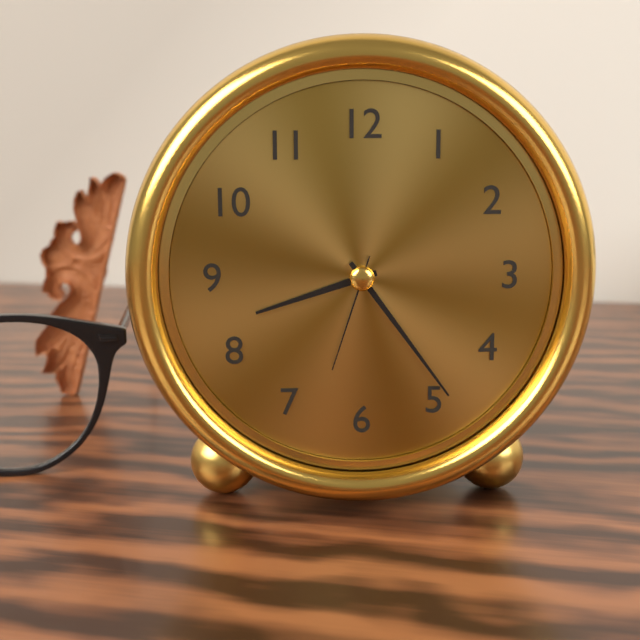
8:24:33
